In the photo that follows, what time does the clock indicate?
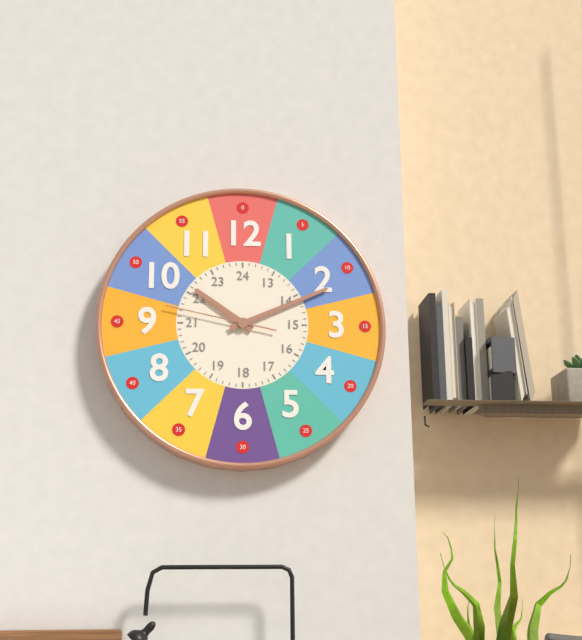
10:11:47
